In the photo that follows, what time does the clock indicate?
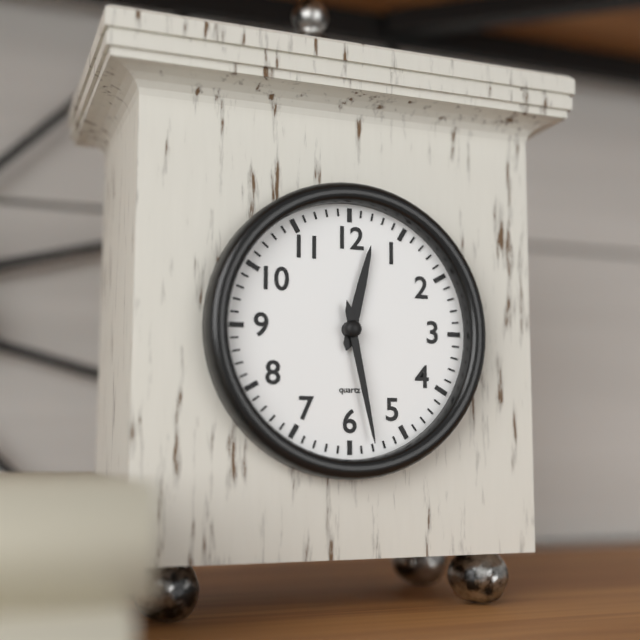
12:28
